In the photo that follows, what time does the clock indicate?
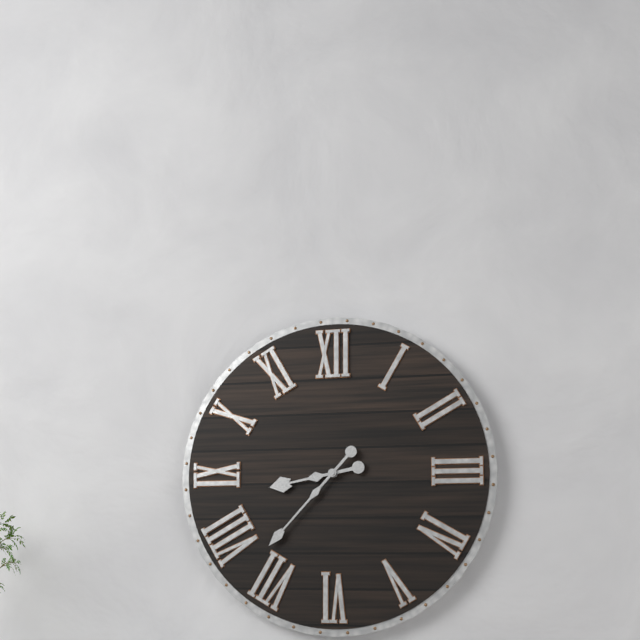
8:37
